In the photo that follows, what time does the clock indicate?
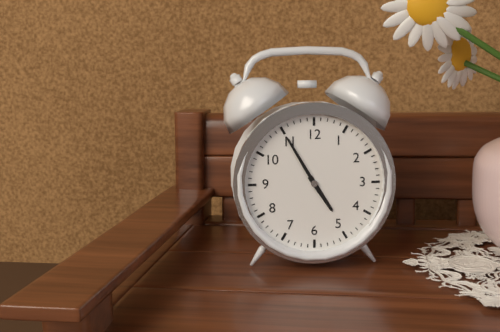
4:55
